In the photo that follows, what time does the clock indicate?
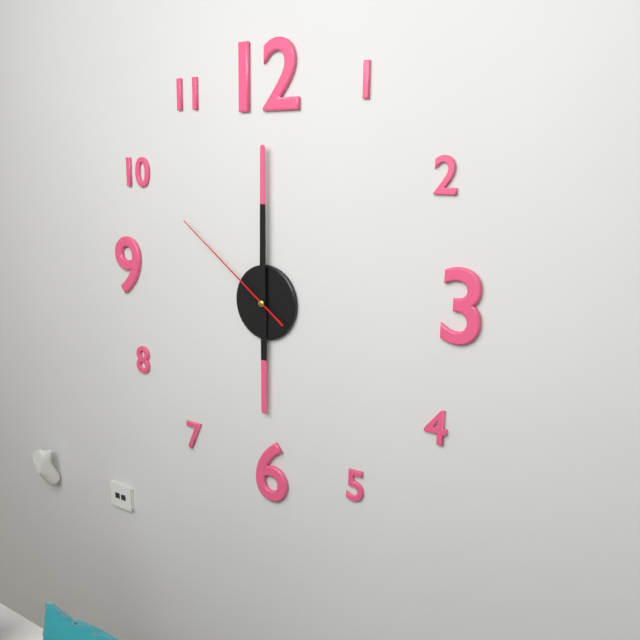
6:00:51
